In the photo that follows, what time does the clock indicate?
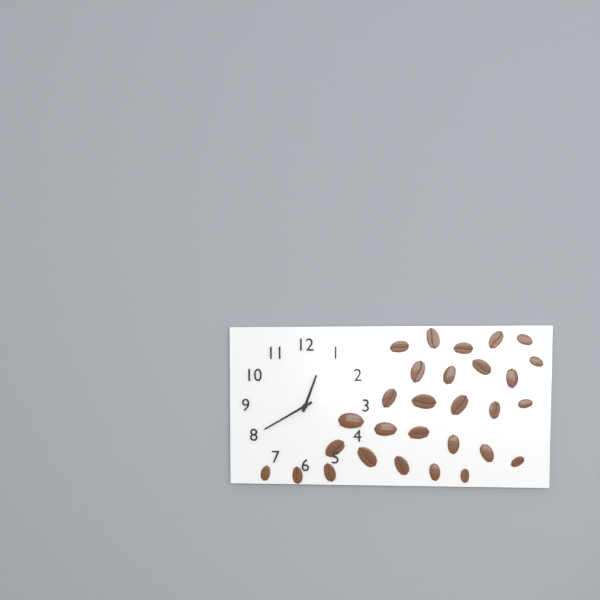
12:40
